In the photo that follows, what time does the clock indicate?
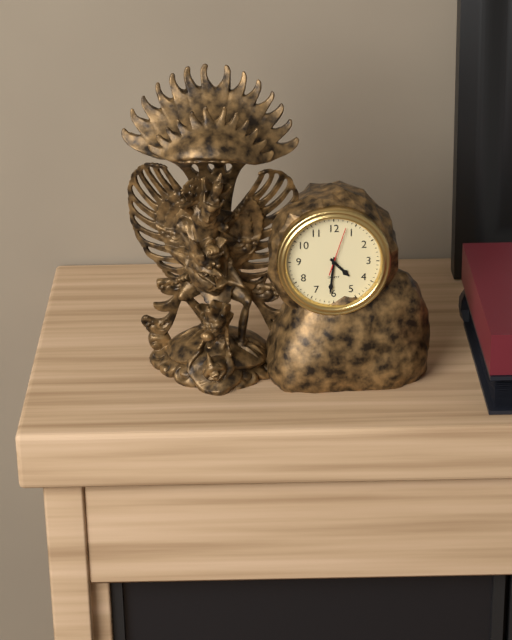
4:31
